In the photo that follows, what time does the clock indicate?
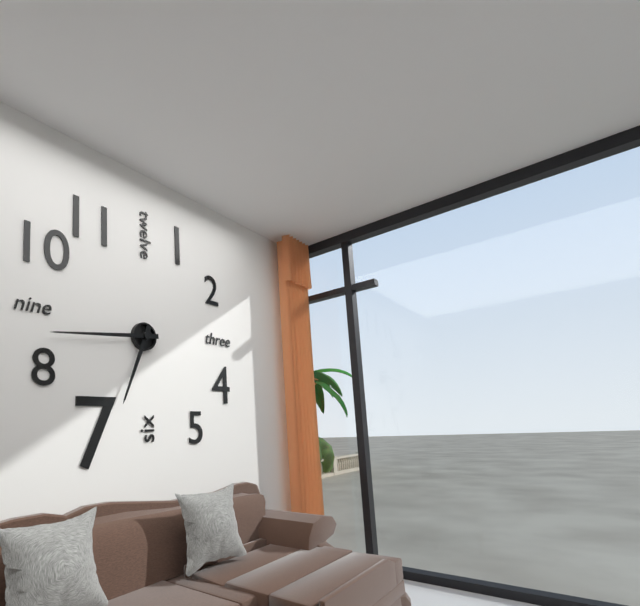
6:44
